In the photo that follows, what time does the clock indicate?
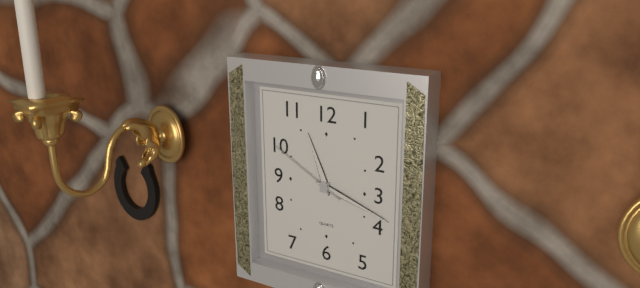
11:18:50
